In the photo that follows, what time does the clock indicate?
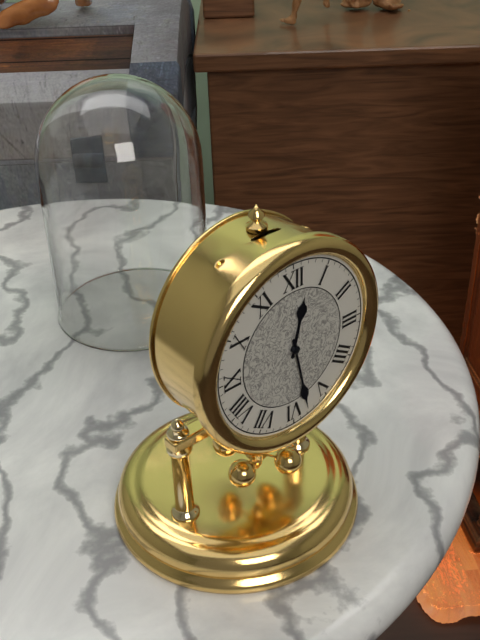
12:28
